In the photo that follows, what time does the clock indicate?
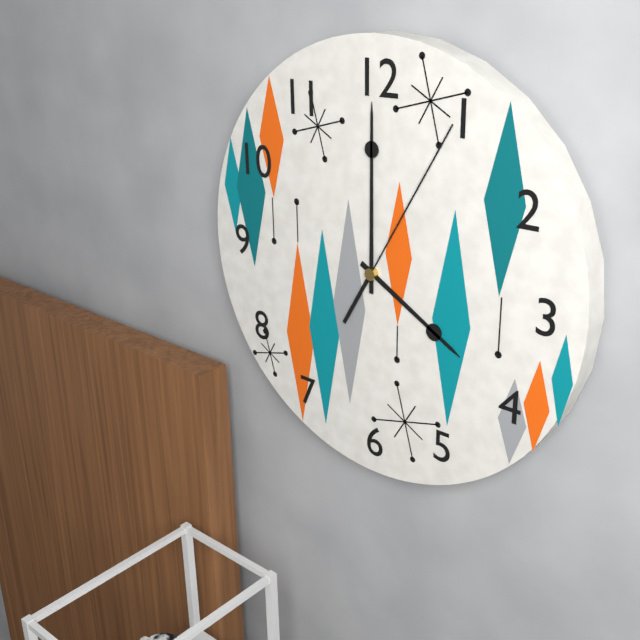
4:00:05
